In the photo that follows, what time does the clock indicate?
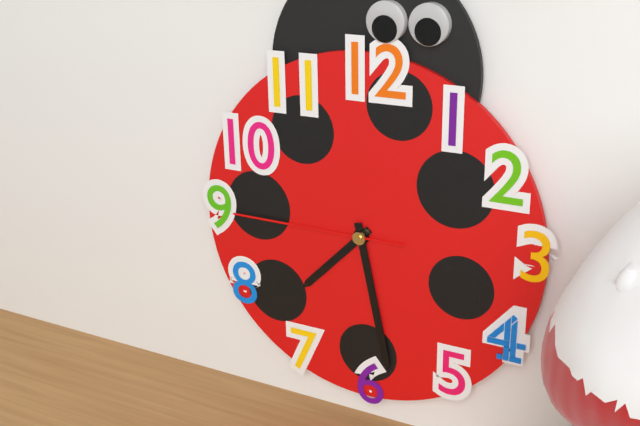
7:28:45
